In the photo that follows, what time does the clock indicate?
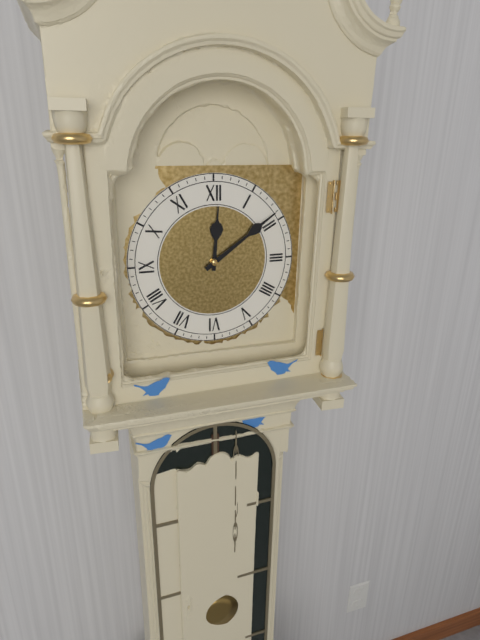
12:09
